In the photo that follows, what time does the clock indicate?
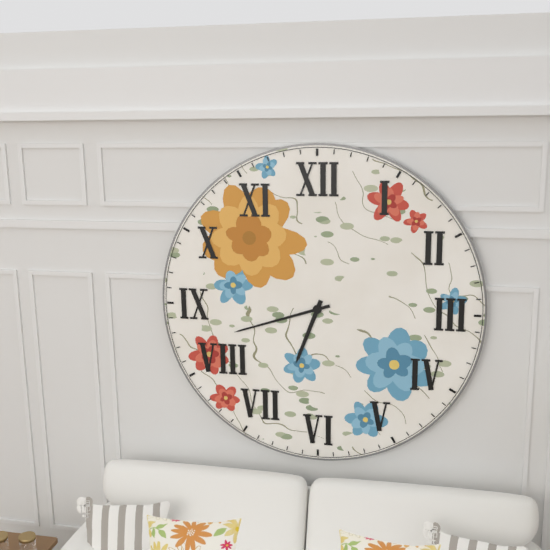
6:42
